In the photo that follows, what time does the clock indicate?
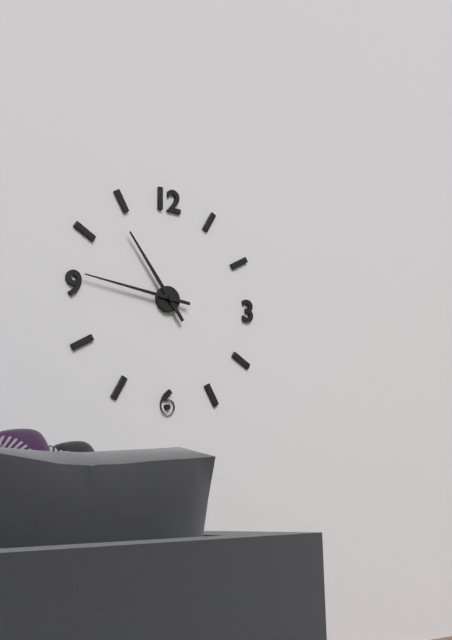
10:46
